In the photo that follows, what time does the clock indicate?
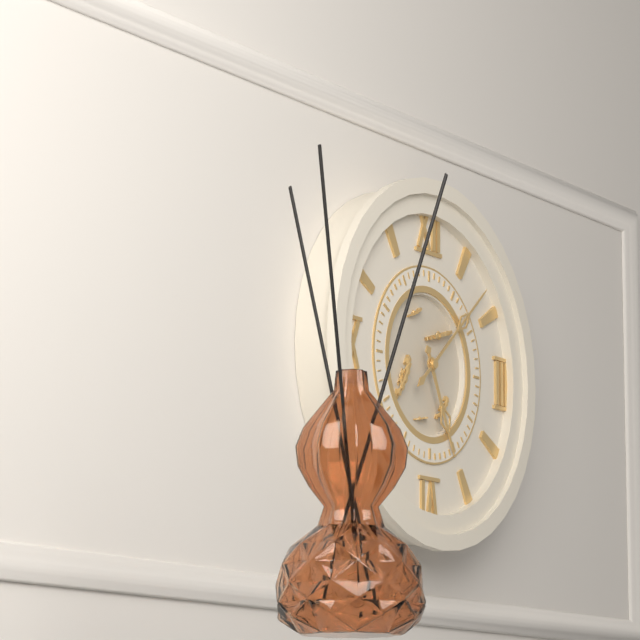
5:08
